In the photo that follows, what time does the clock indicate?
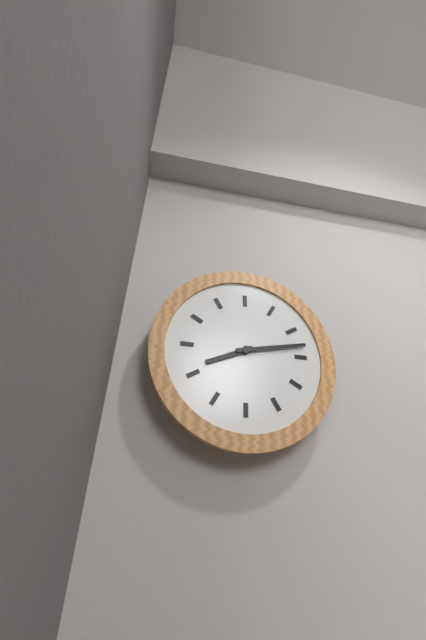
8:13
